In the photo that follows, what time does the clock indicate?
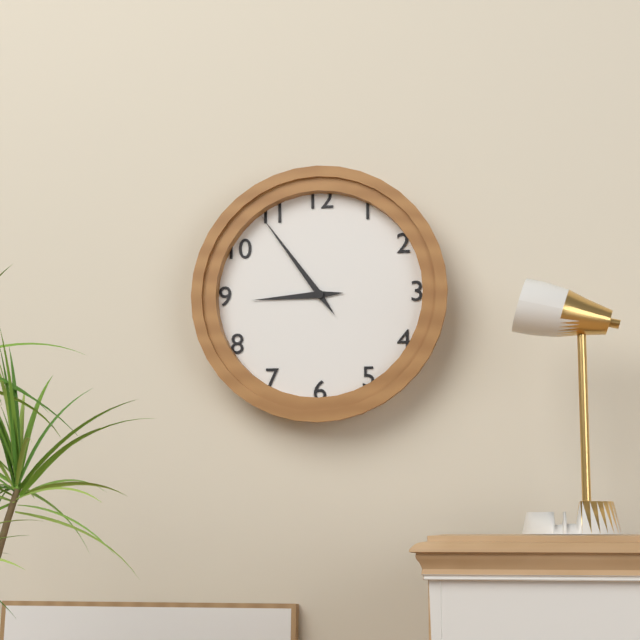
8:54
